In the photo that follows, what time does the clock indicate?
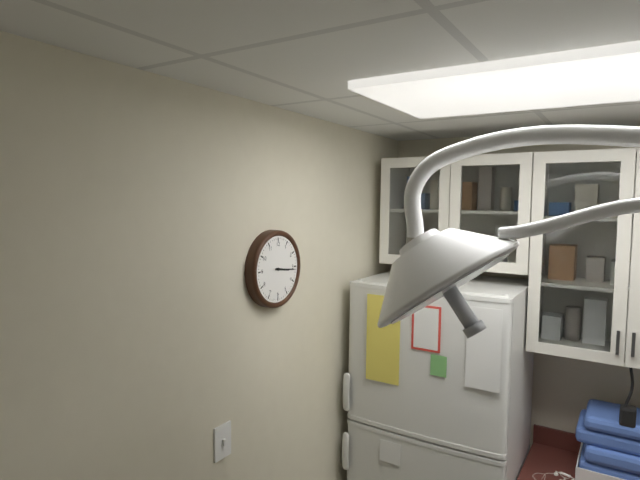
3:16
